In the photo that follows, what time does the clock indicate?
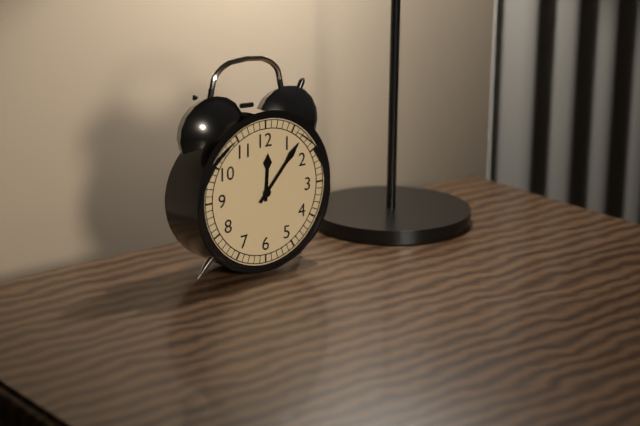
12:07
